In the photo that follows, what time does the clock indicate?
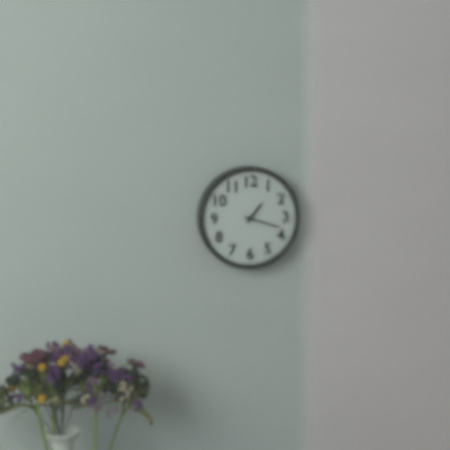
1:18
